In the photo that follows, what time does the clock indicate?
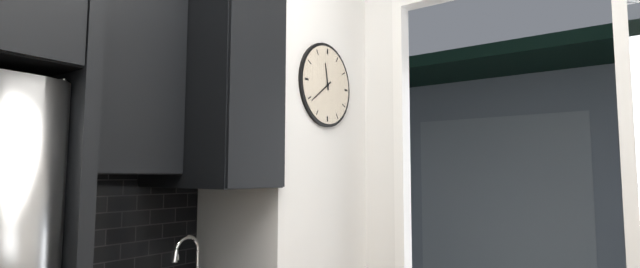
11:39
